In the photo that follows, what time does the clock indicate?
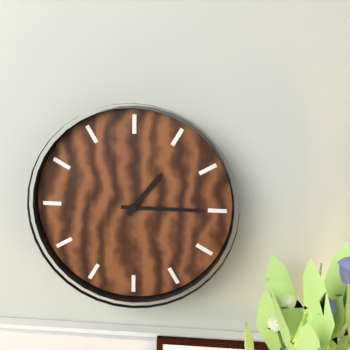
1:15
